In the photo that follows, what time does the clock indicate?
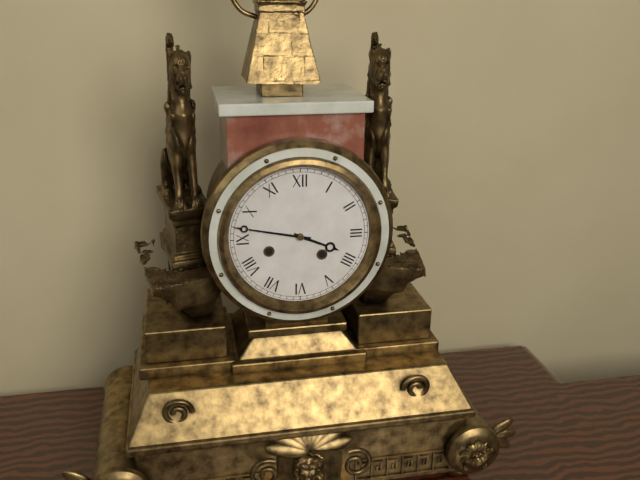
3:47
